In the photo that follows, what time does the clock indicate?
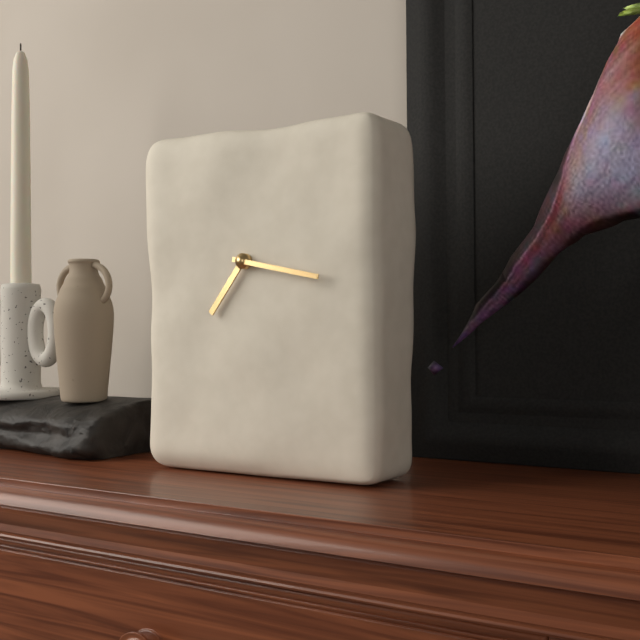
7:17
